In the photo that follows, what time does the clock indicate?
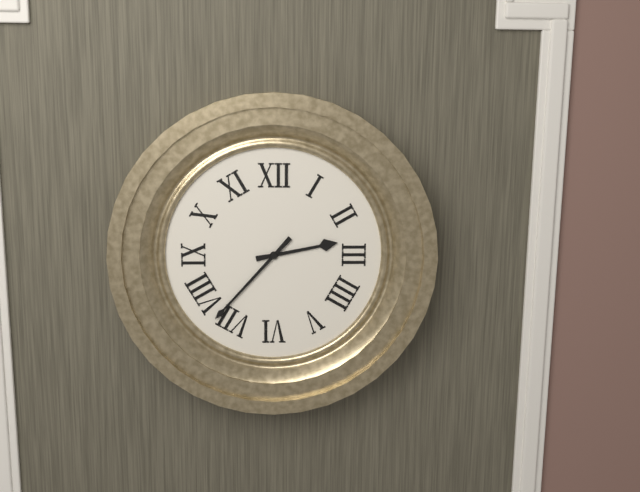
2:37
